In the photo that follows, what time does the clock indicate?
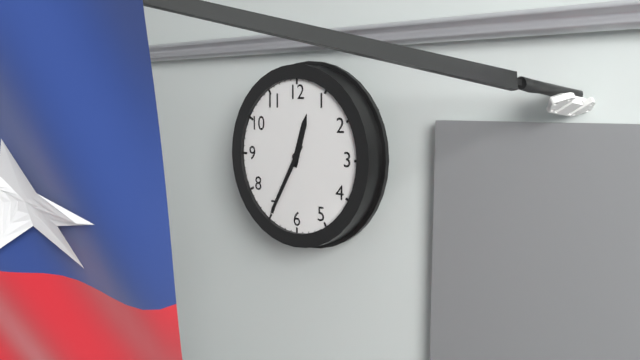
12:35
